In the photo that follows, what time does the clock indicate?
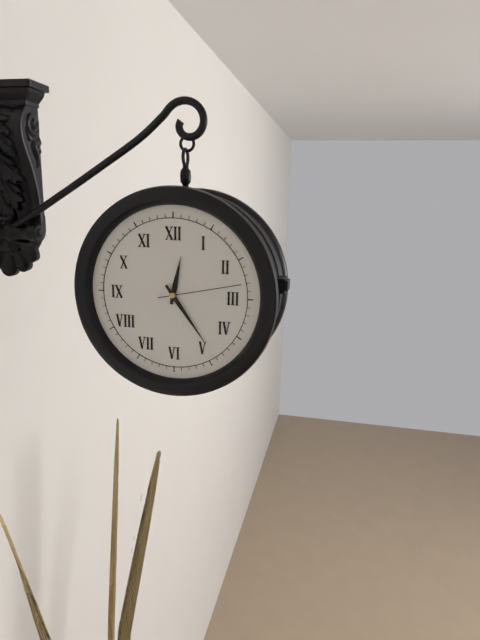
12:24:13
